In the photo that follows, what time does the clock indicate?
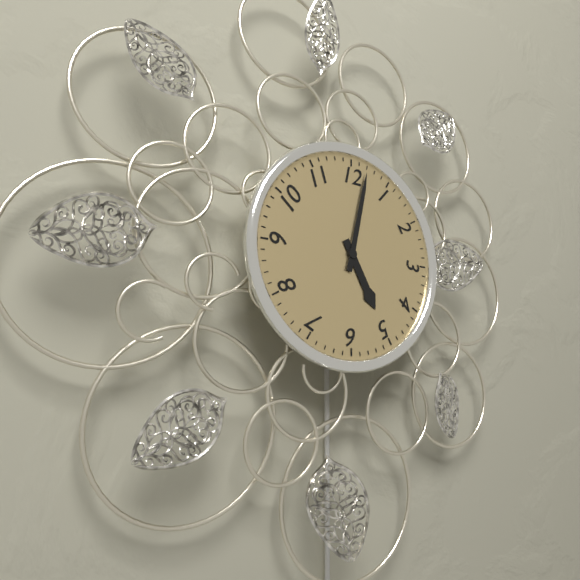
5:02
